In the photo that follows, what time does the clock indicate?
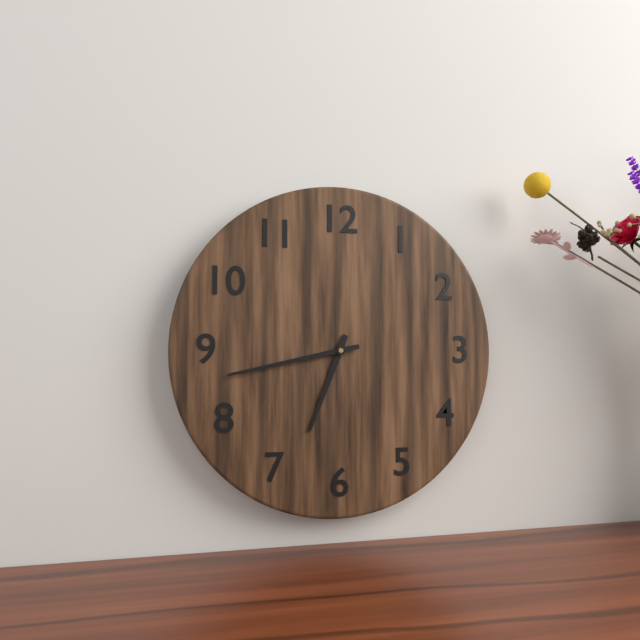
6:43
